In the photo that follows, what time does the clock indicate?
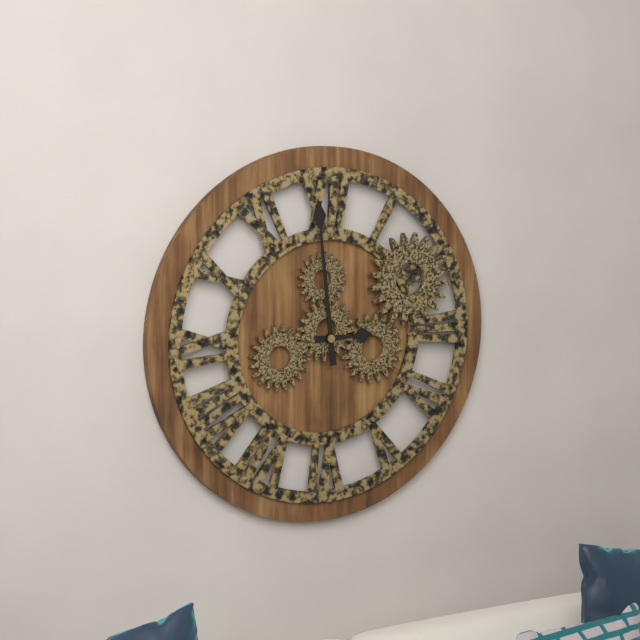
2:59
